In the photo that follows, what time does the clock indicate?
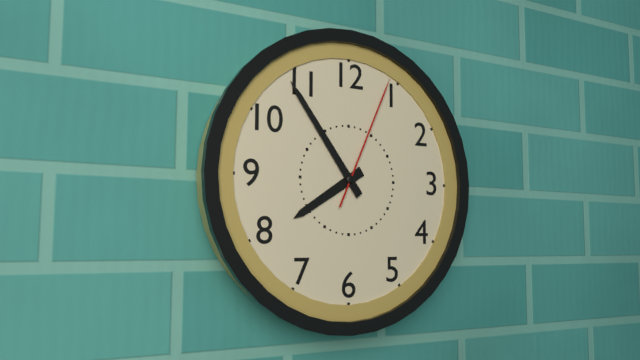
7:54:04
